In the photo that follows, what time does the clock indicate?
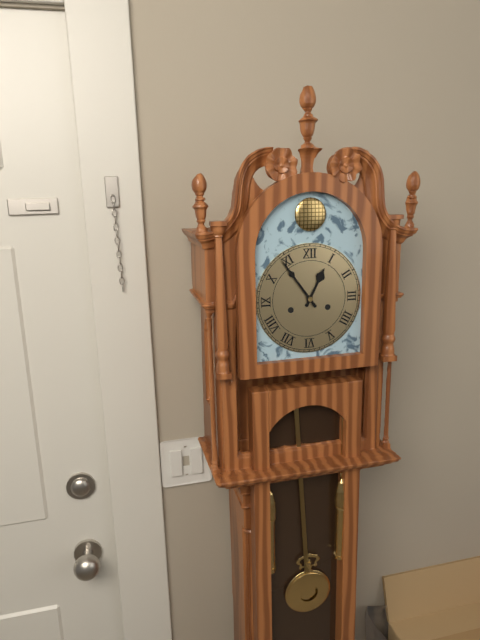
12:54
